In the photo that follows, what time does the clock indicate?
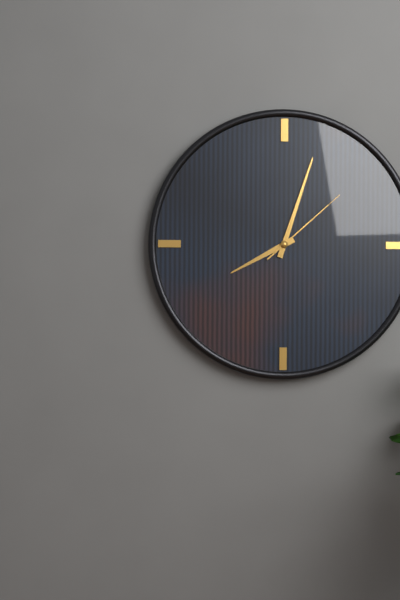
8:03:08
